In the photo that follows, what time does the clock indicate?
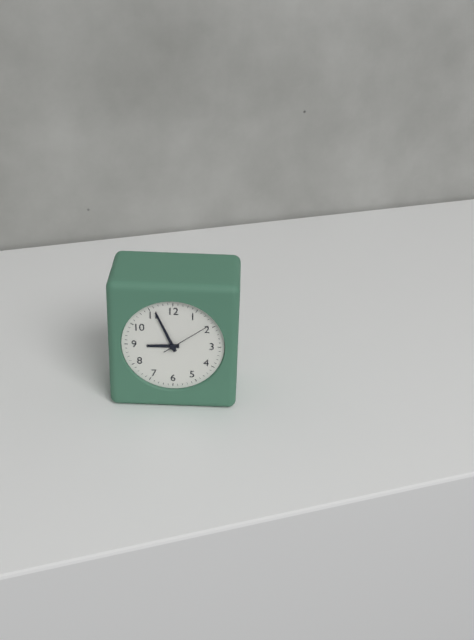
8:56
